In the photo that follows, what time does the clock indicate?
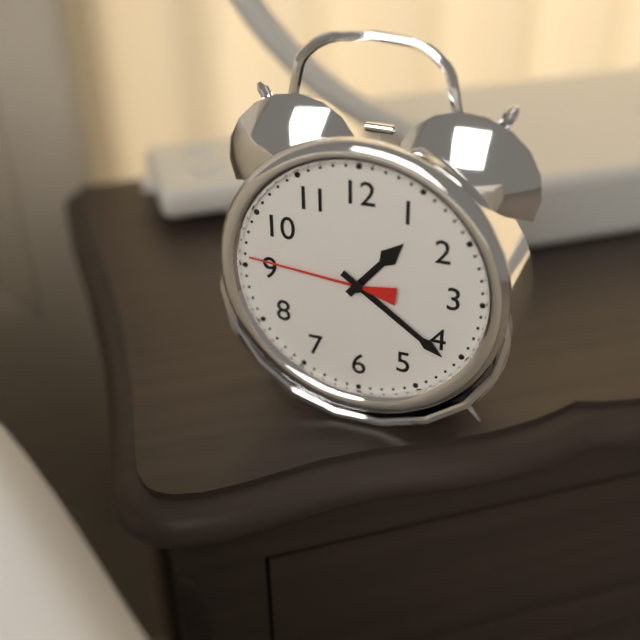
1:21:46
